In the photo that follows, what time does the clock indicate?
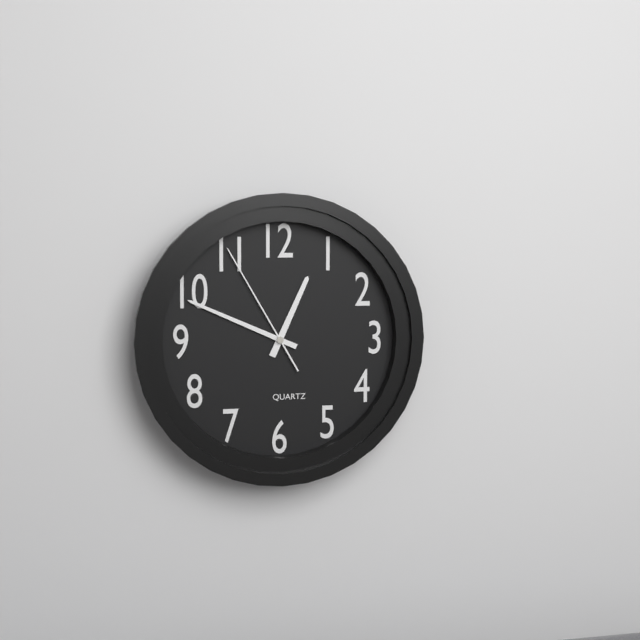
12:49:55
